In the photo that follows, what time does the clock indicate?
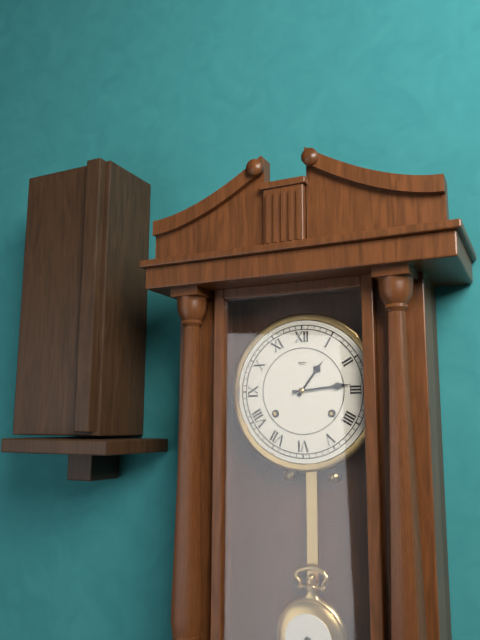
1:14
